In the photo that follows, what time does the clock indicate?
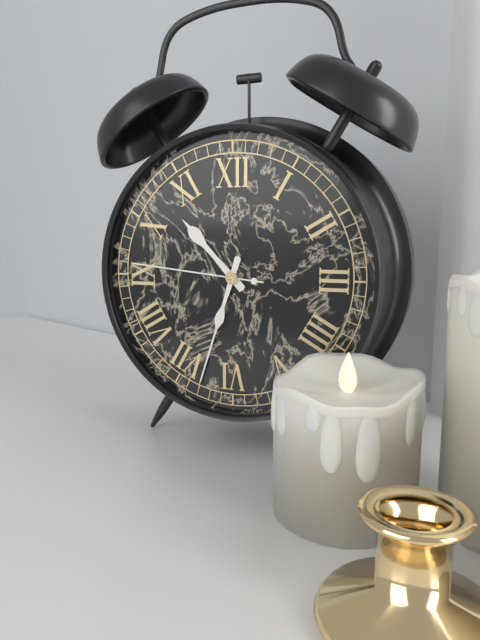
10:33:46
